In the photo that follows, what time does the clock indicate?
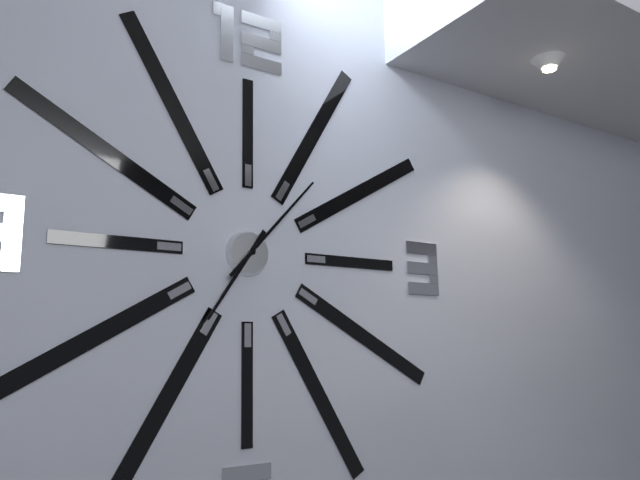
7:07
